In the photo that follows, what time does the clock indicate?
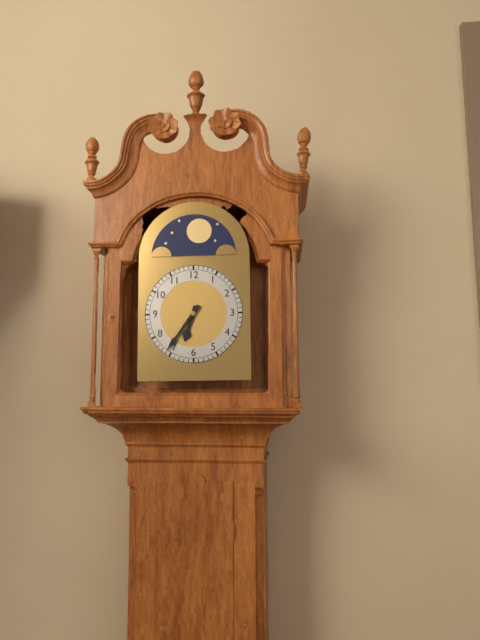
6:36
